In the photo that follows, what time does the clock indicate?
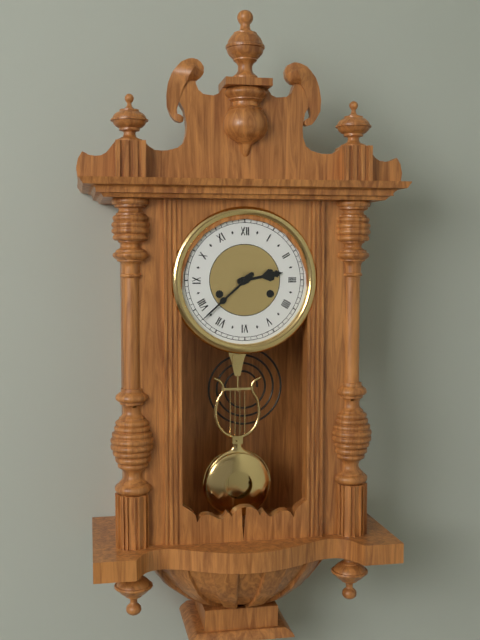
2:38
